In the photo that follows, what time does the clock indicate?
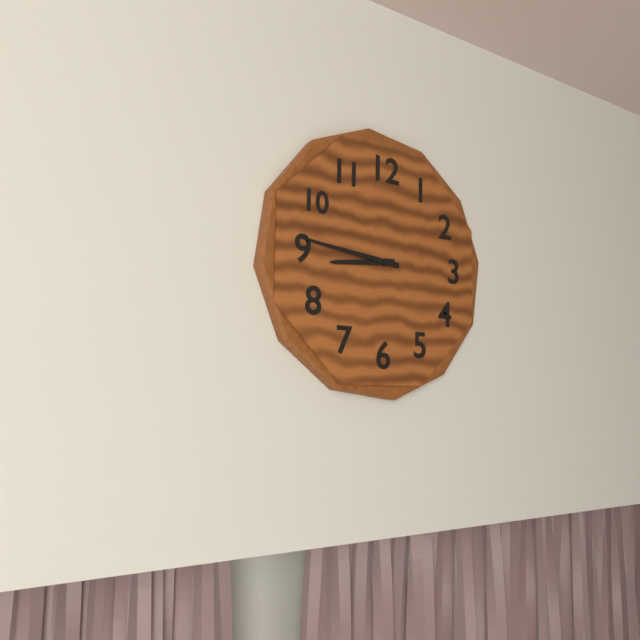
8:46
